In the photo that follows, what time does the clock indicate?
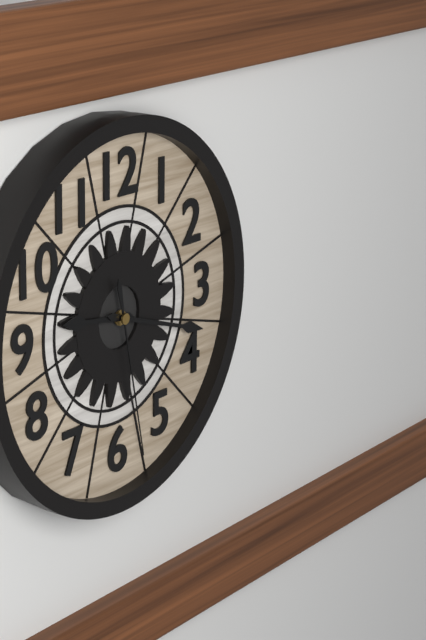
9:18:28
